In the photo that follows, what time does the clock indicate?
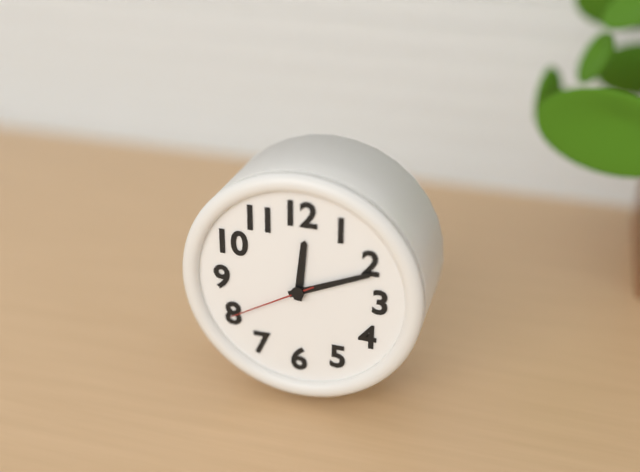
12:11:40
